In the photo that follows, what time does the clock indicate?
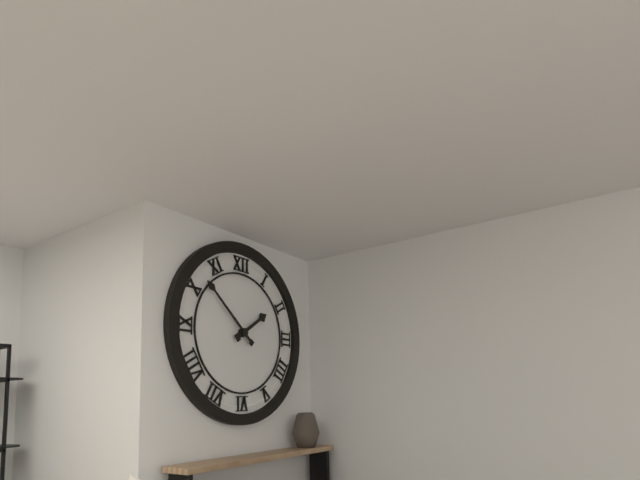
1:52
